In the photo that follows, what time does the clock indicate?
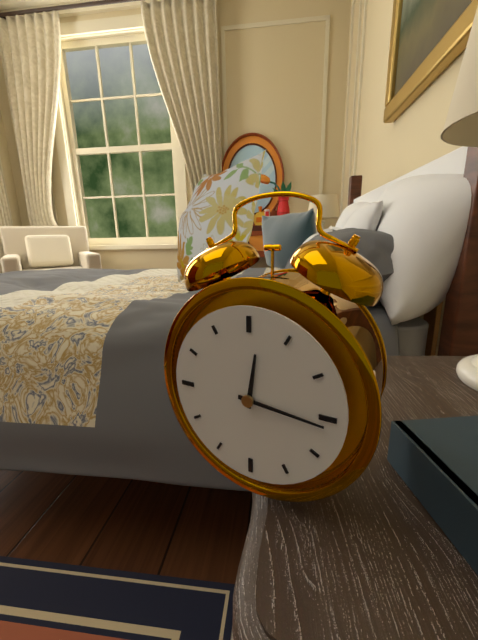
12:16
